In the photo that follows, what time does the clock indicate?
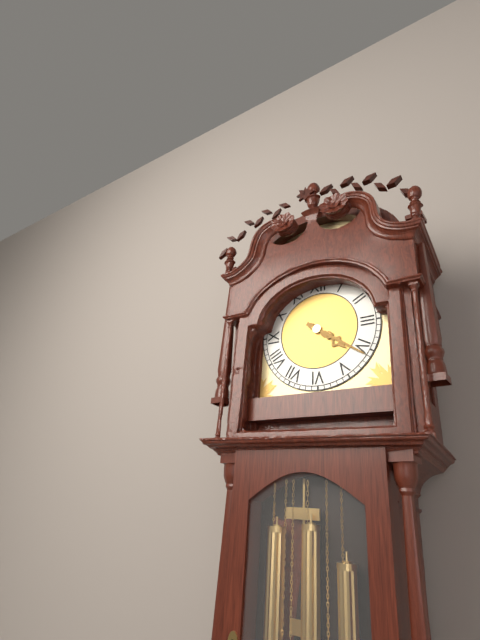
4:21
